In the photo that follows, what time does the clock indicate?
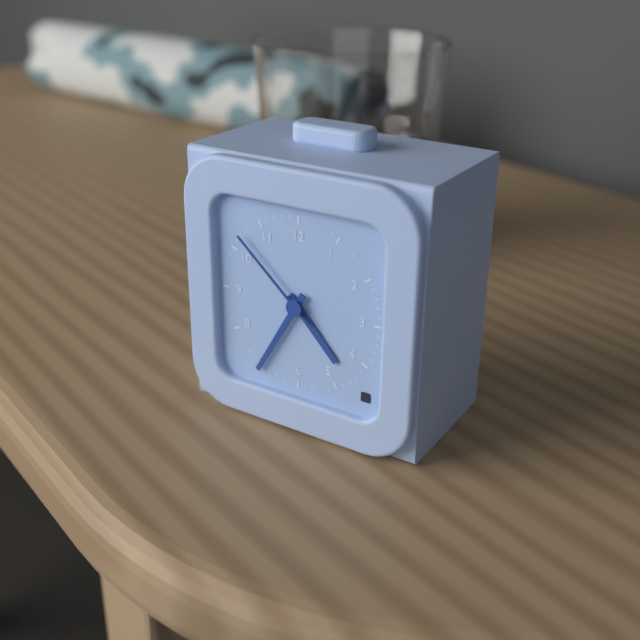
4:35:52
